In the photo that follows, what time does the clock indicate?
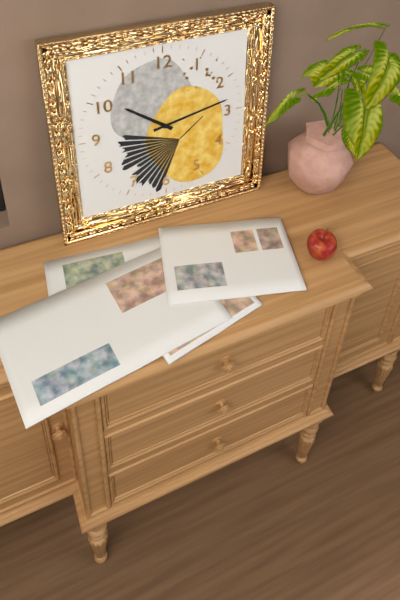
10:13
